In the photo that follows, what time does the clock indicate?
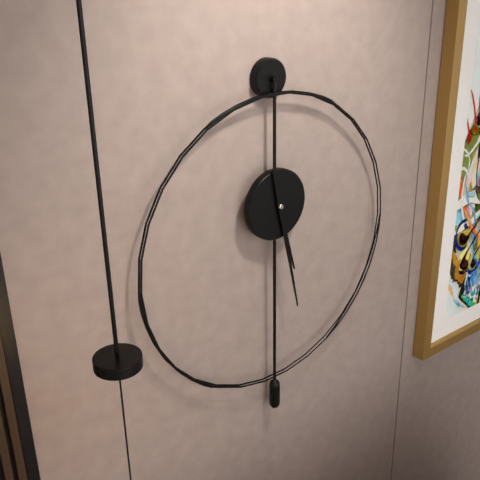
5:28
